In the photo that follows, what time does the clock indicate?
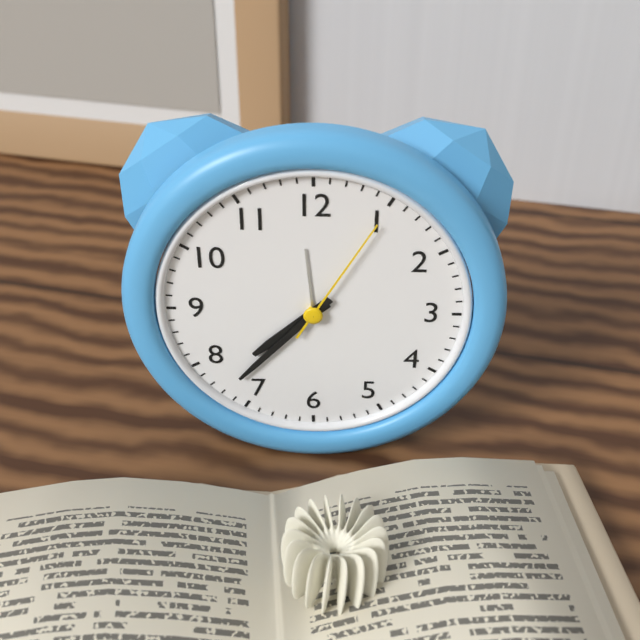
7:37:05
